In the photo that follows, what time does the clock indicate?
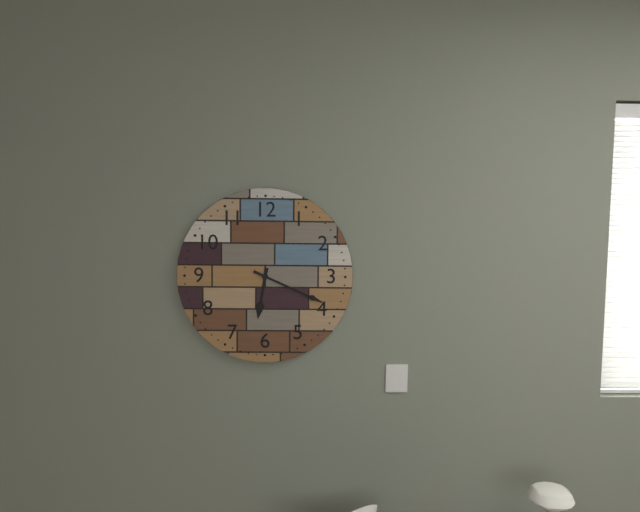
6:19
